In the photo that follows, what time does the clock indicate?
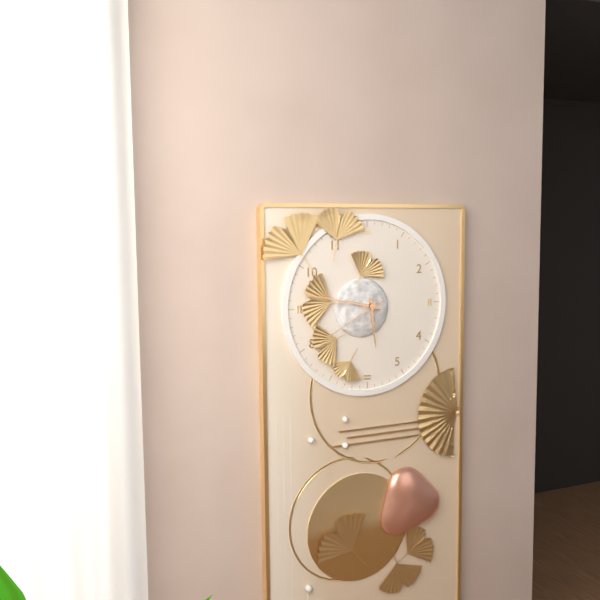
5:47:40
